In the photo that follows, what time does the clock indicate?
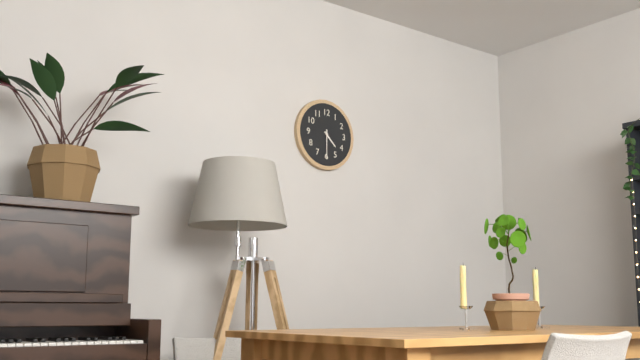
4:30
